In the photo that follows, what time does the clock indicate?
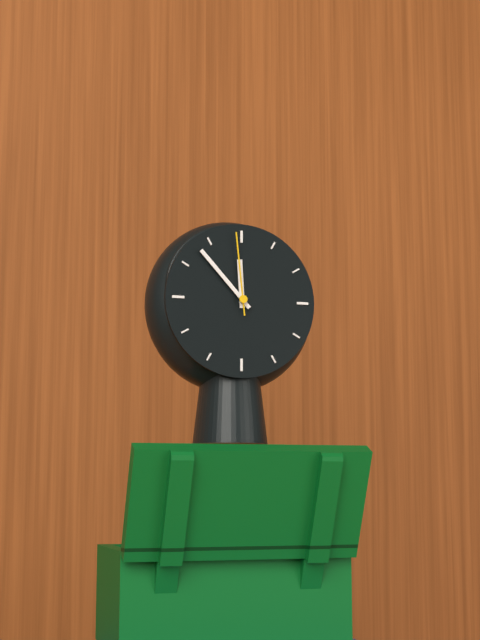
11:53:59
